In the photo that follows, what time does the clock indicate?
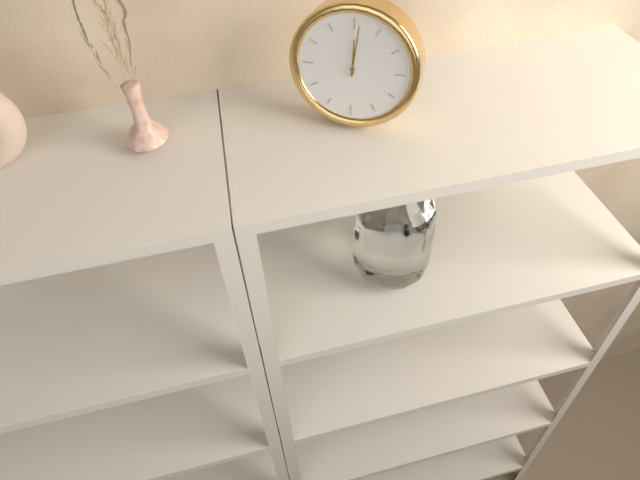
12:01
